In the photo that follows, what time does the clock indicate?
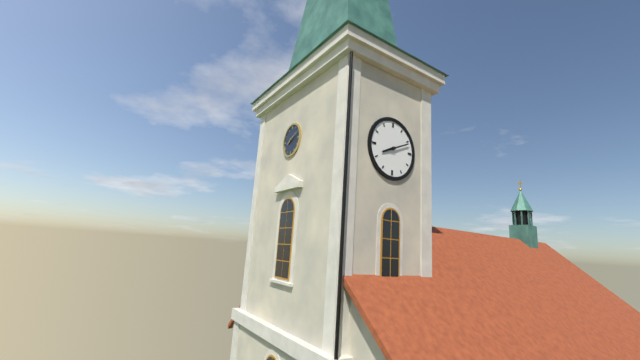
8:11
